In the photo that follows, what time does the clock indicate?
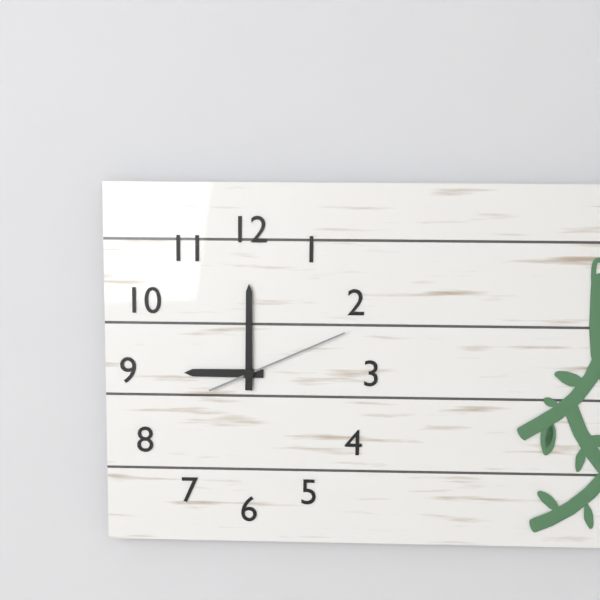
9:00:11
